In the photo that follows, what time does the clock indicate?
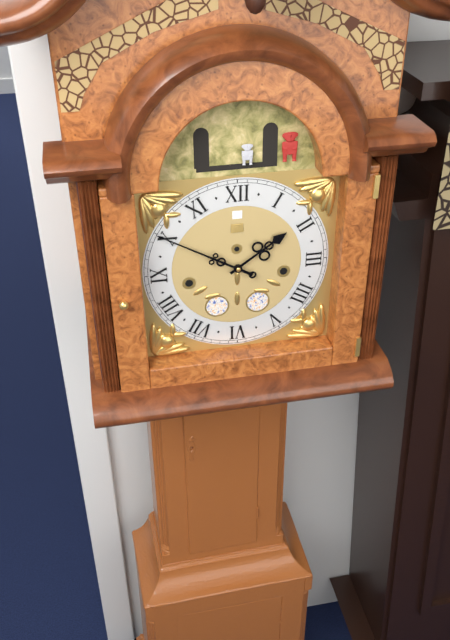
1:50
